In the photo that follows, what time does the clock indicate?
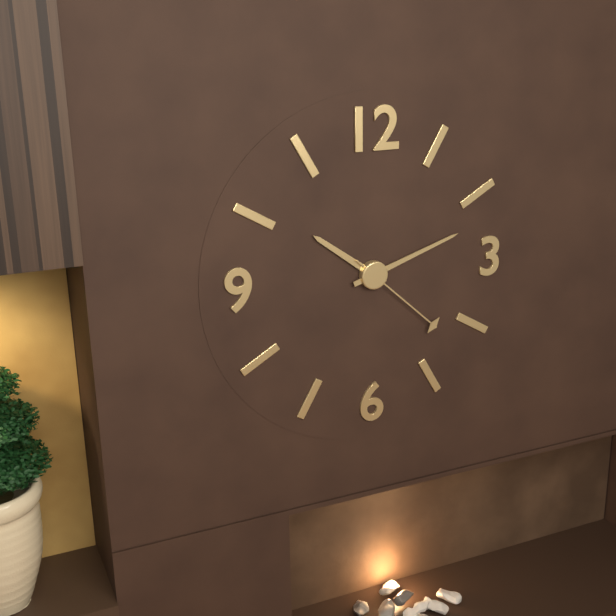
10:12:22
